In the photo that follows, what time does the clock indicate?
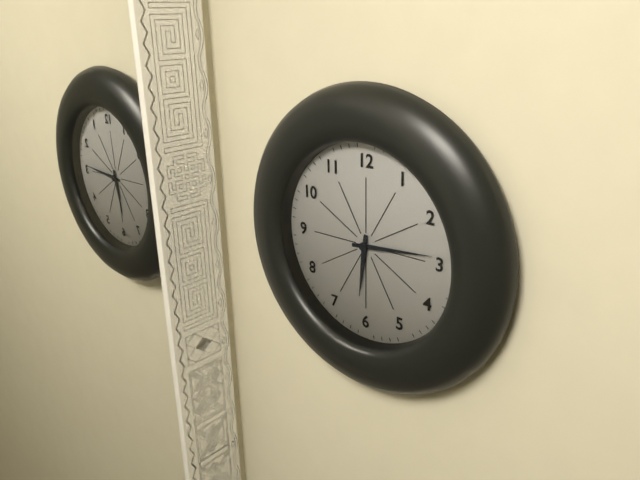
6:14
